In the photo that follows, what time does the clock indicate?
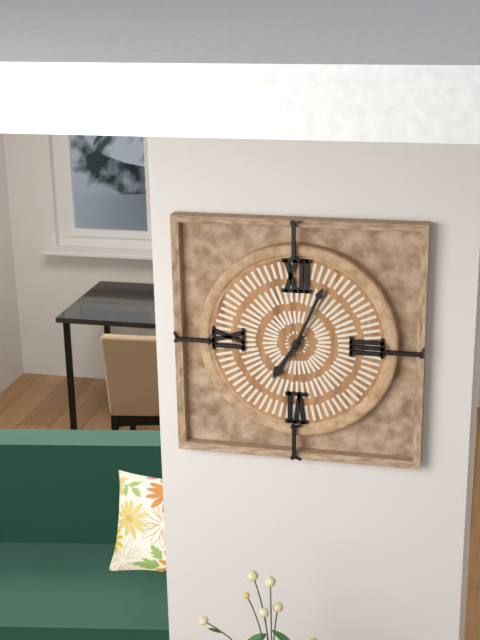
7:04
